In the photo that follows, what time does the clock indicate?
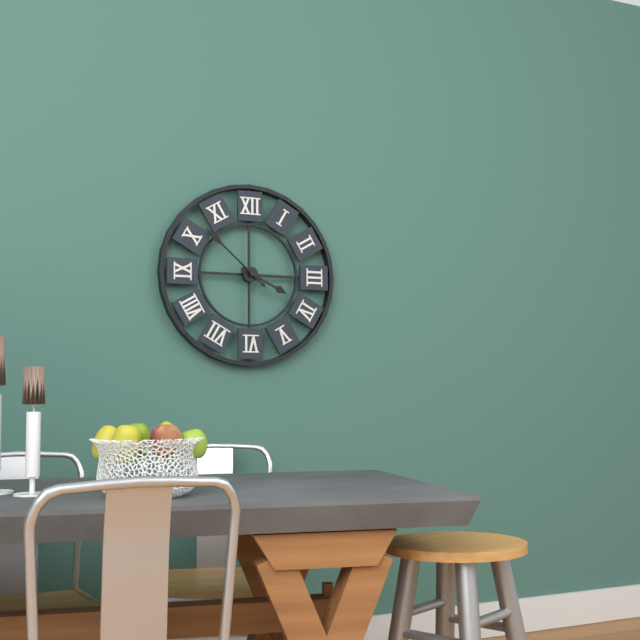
3:52
